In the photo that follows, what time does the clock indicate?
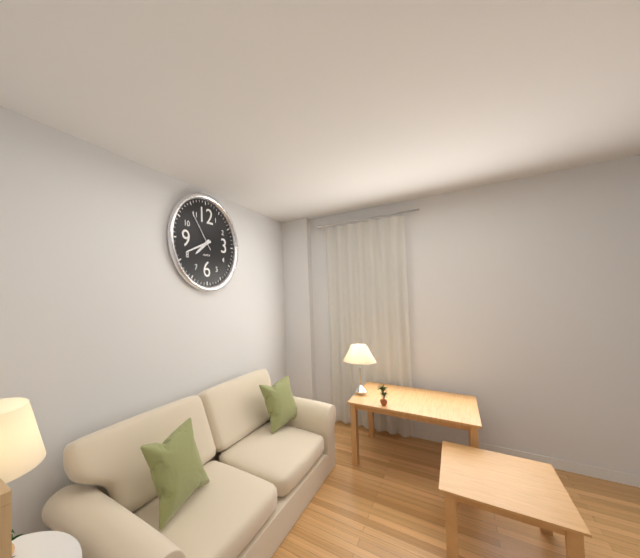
7:41
